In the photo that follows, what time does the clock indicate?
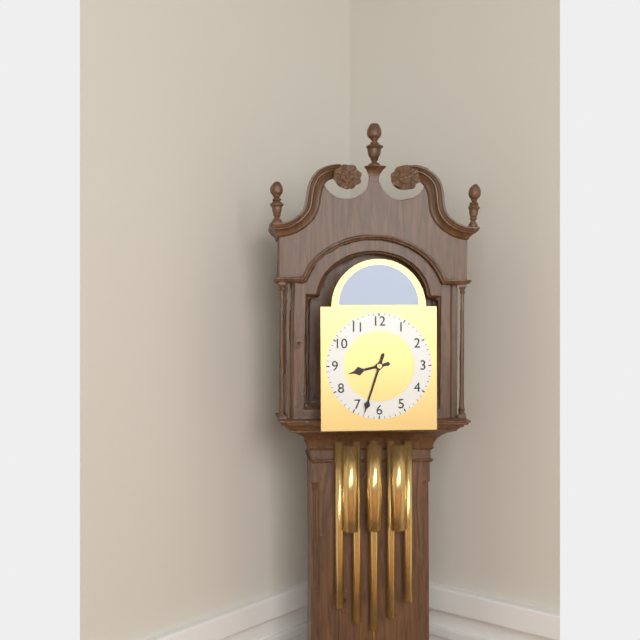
8:33
